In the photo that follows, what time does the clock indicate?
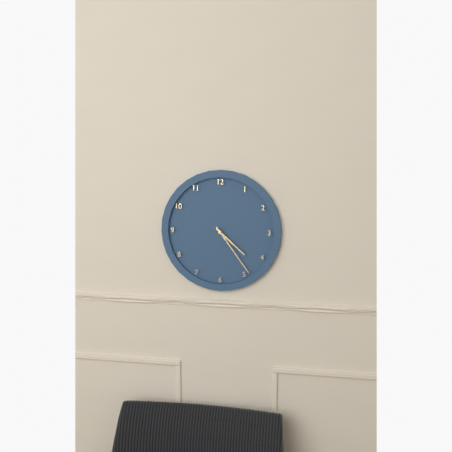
4:24
